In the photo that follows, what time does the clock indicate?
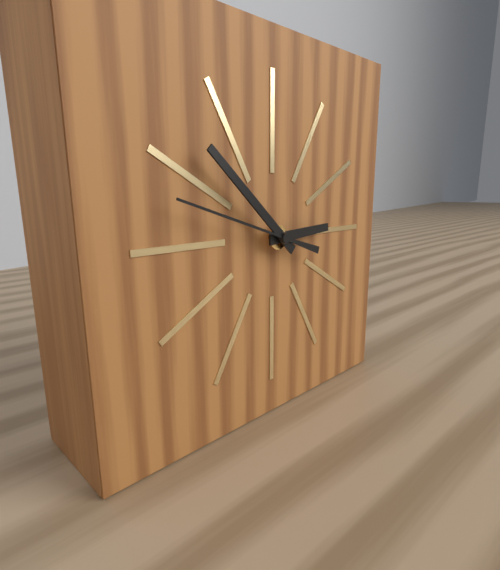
2:52:48
